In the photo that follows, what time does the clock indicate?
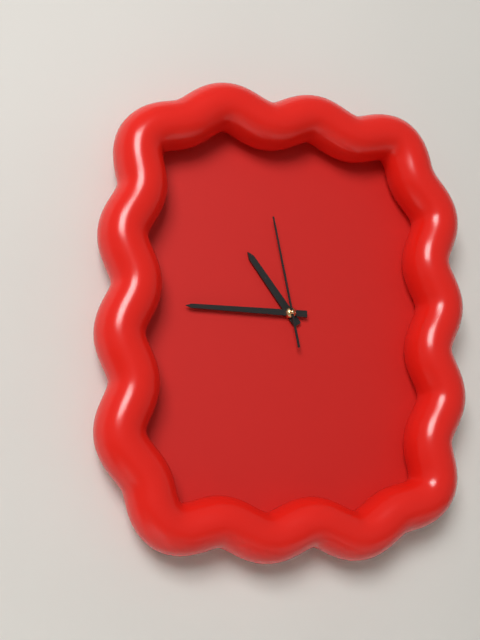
10:45:58
